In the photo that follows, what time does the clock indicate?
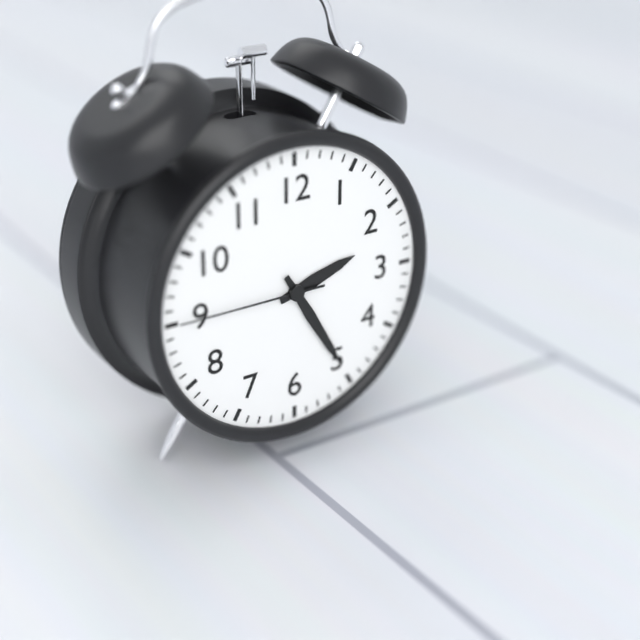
2:25:45
